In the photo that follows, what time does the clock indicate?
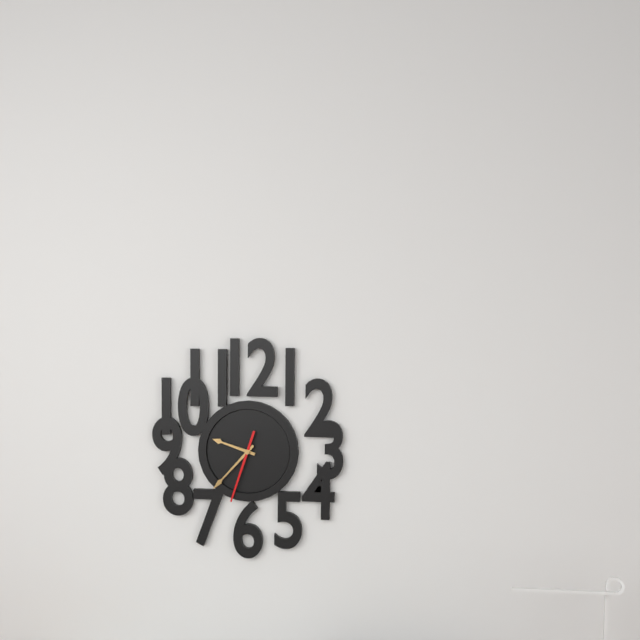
9:37:33
